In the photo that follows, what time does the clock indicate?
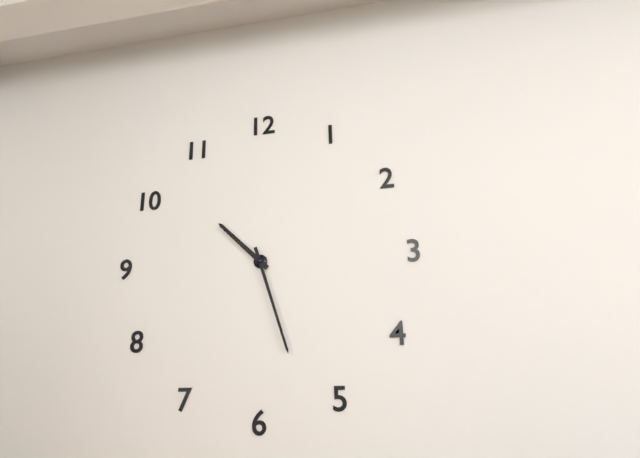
10:27
